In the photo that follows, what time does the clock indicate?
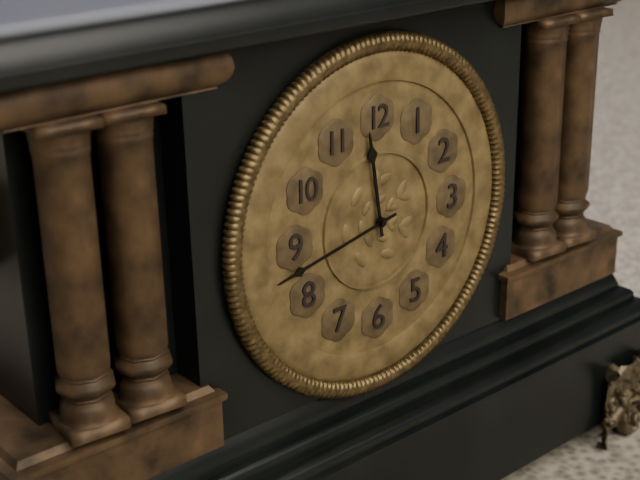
11:43
